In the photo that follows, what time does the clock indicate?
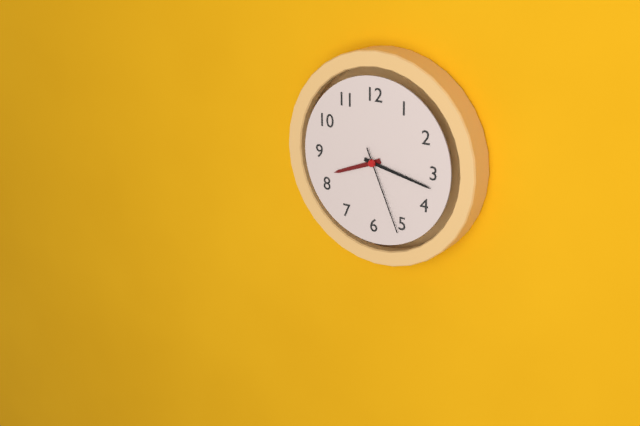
8:17:26
